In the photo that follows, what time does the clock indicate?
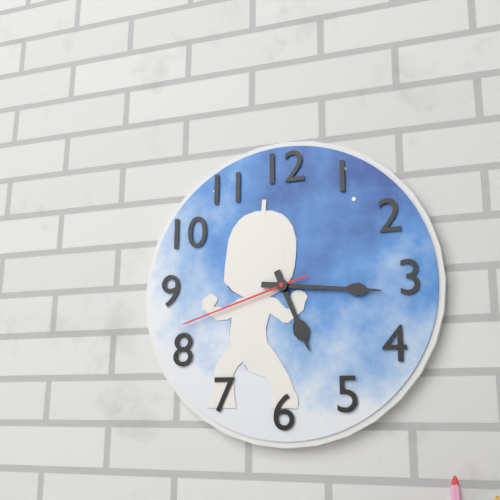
5:16:42
